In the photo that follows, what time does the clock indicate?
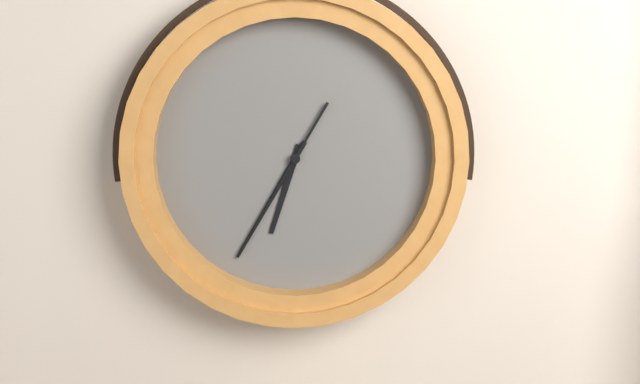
6:35:35
